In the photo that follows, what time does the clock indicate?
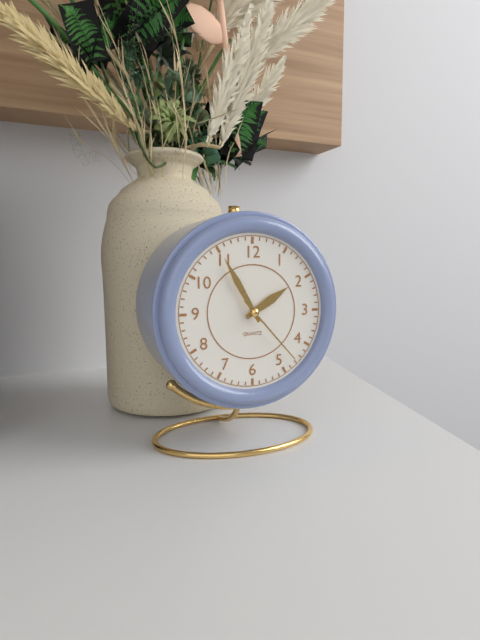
1:55:23
